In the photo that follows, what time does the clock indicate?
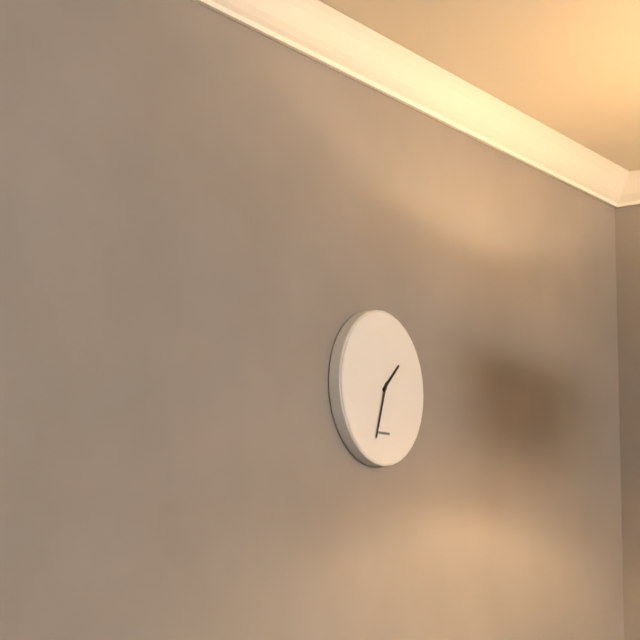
1:33
